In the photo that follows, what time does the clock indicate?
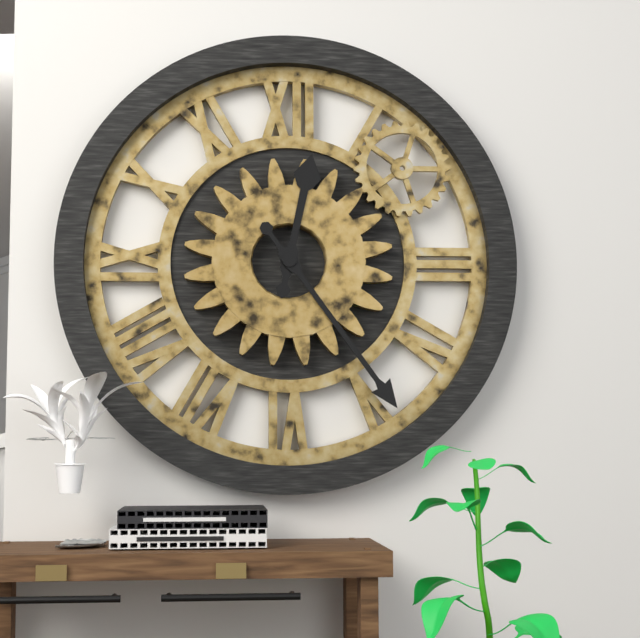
12:24
